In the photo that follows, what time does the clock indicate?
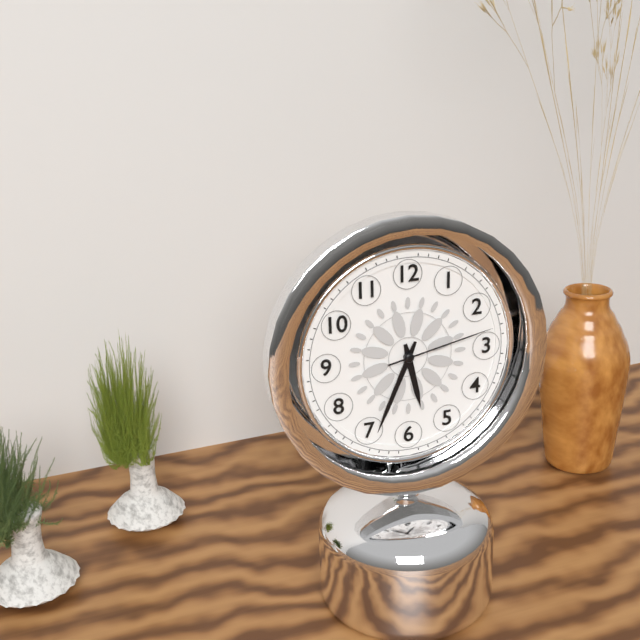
5:34:13
